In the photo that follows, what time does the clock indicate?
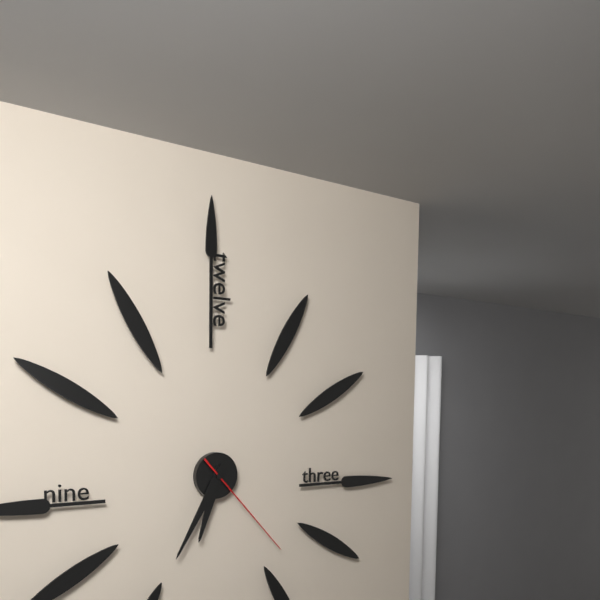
6:35:23
